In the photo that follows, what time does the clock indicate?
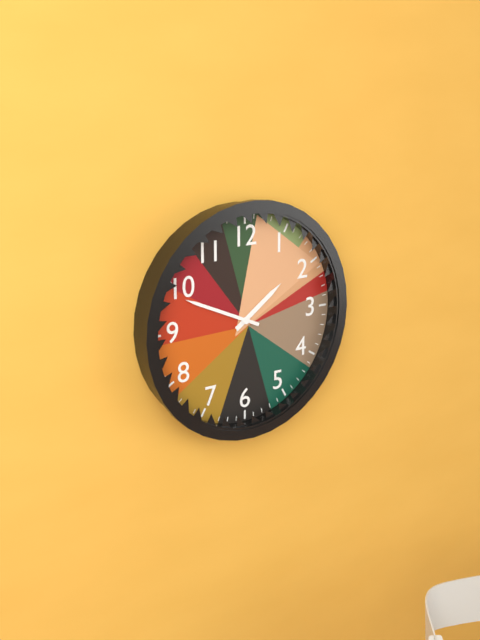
1:49
